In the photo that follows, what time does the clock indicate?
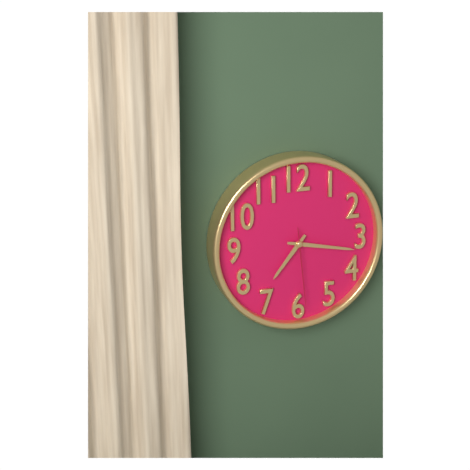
7:17:29
